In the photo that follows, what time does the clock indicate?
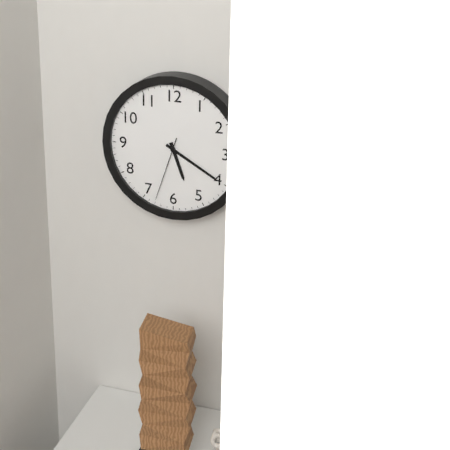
5:20:33
